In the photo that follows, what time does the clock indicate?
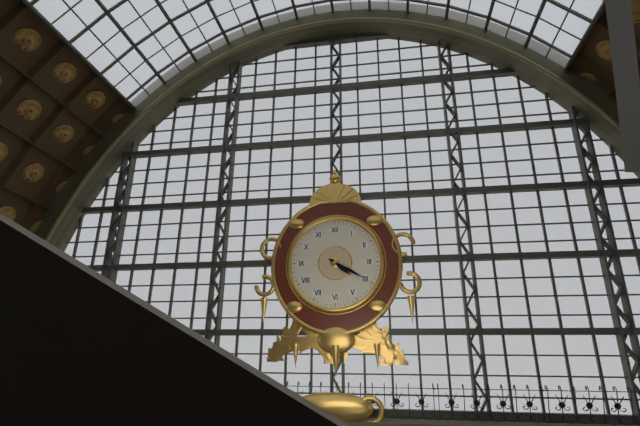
4:20
